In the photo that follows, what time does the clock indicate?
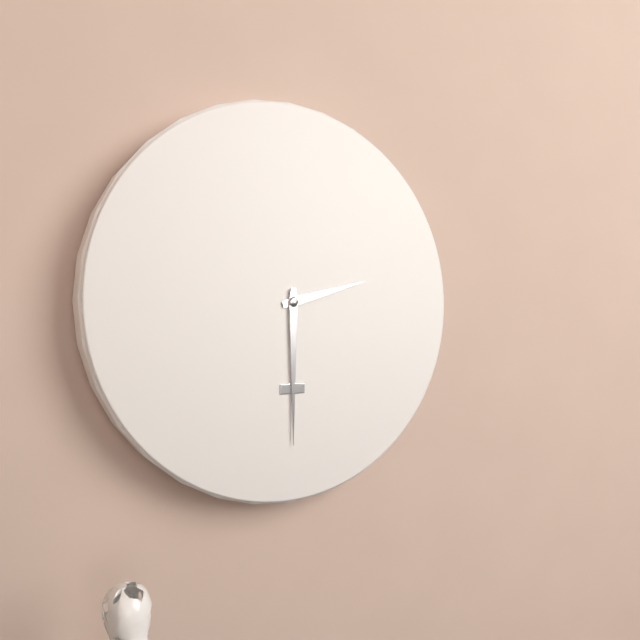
2:30
